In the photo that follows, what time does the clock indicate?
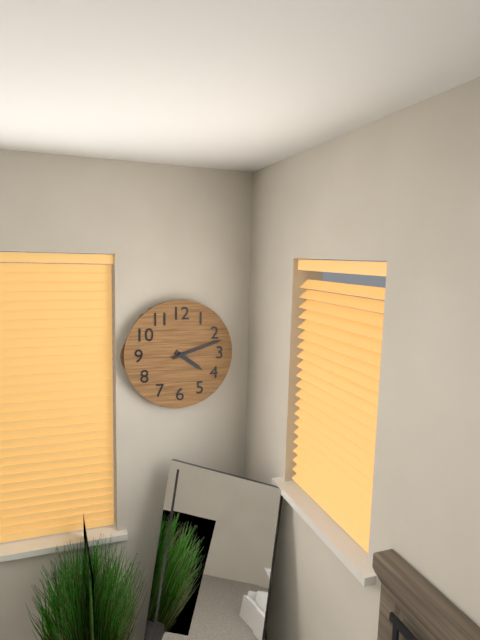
4:12
